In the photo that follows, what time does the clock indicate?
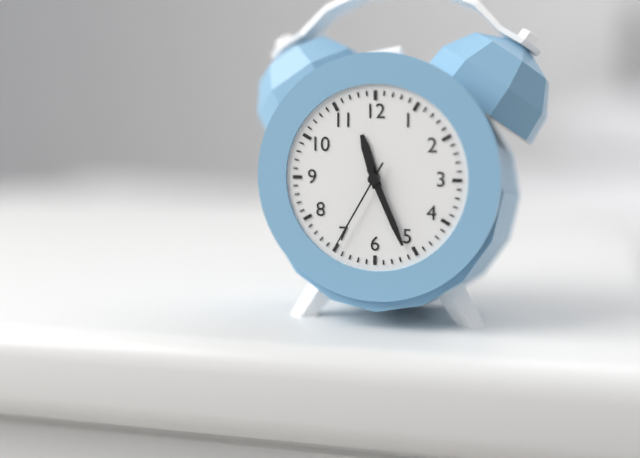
11:26:35
